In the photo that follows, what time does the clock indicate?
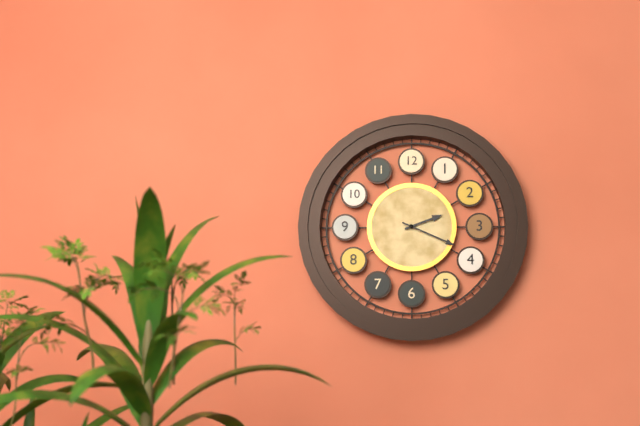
2:19
